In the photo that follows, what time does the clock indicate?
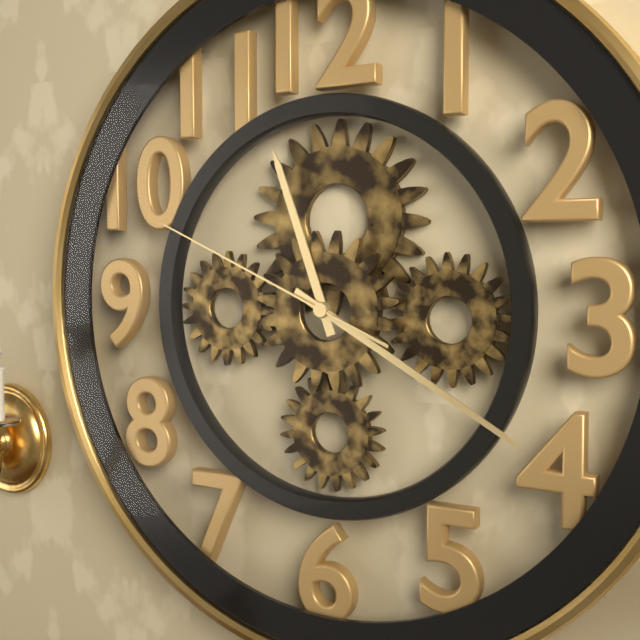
11:20:49
